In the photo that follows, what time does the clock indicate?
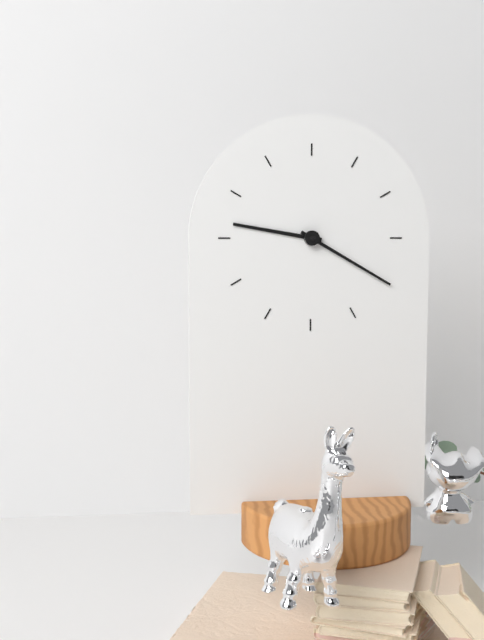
9:20
